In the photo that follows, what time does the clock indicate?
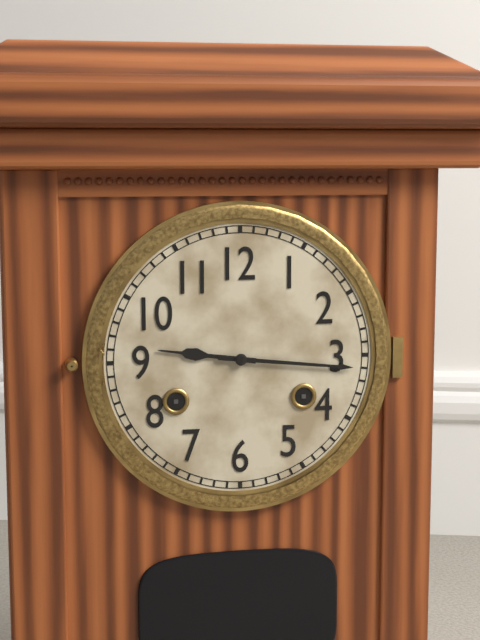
9:16
